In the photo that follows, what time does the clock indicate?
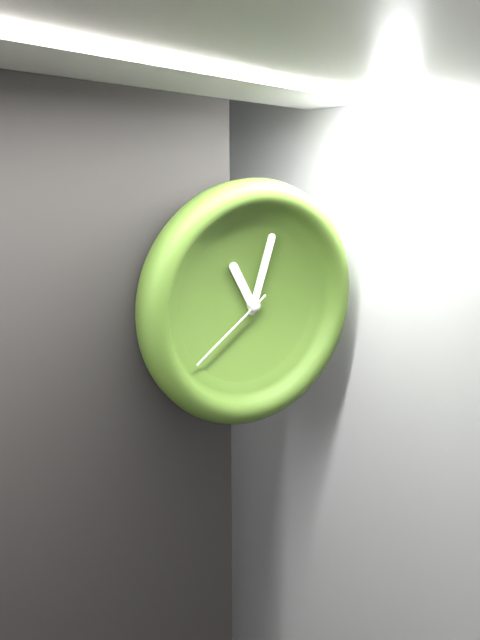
11:03:39
